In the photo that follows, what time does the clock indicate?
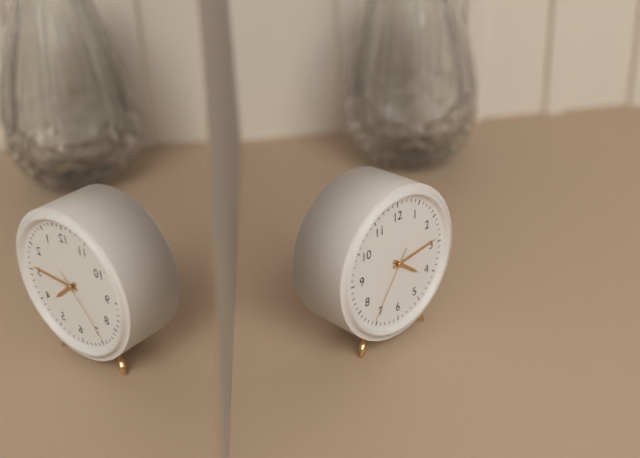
4:14:36
